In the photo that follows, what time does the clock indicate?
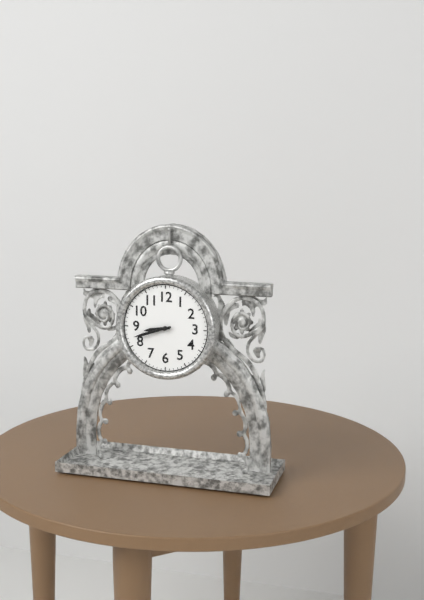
8:42
